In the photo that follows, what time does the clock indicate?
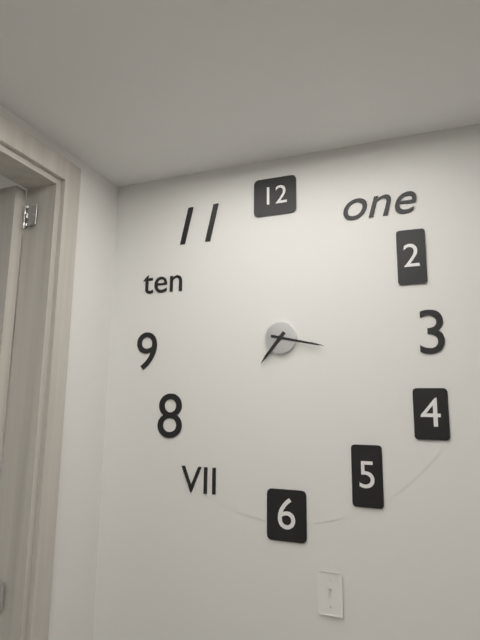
7:17
